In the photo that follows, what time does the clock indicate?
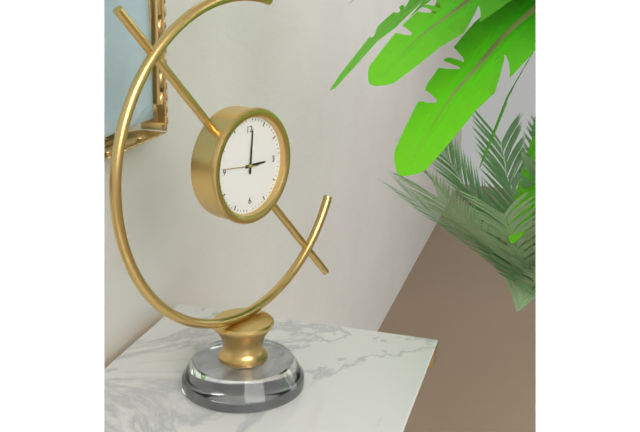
3:01
